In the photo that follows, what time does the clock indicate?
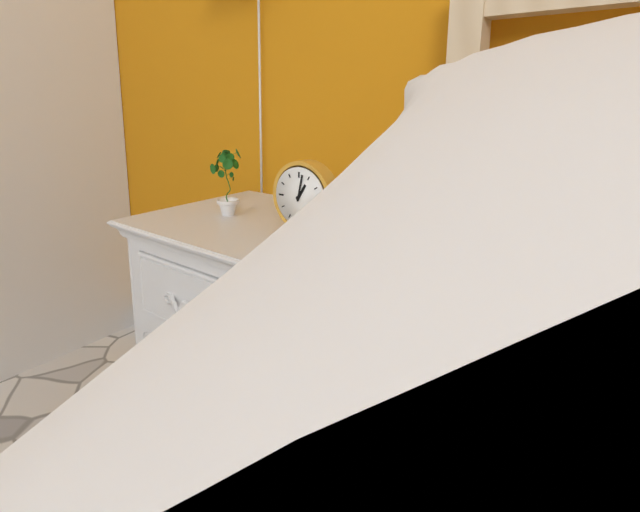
1:02
